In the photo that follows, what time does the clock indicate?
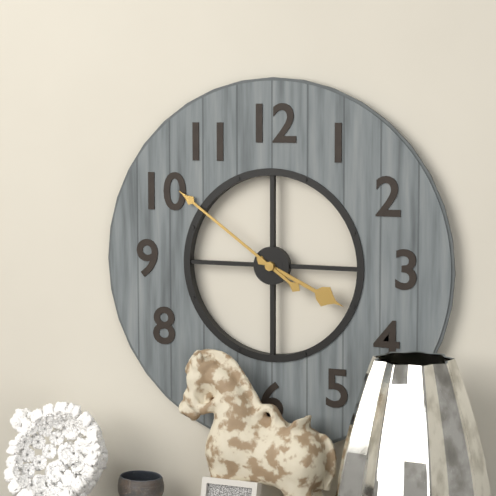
3:51
